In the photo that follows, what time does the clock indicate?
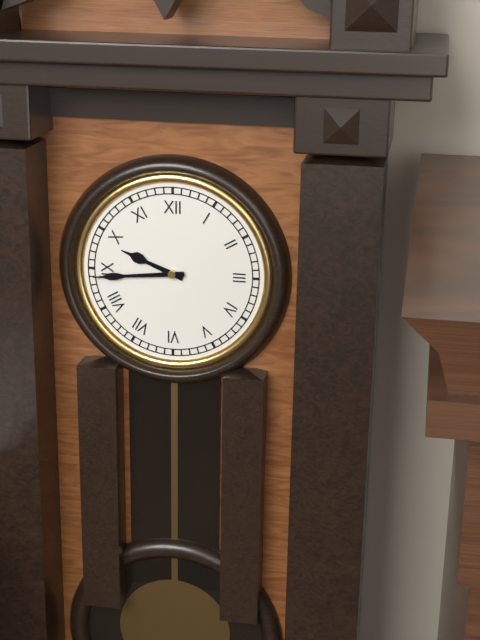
9:44
